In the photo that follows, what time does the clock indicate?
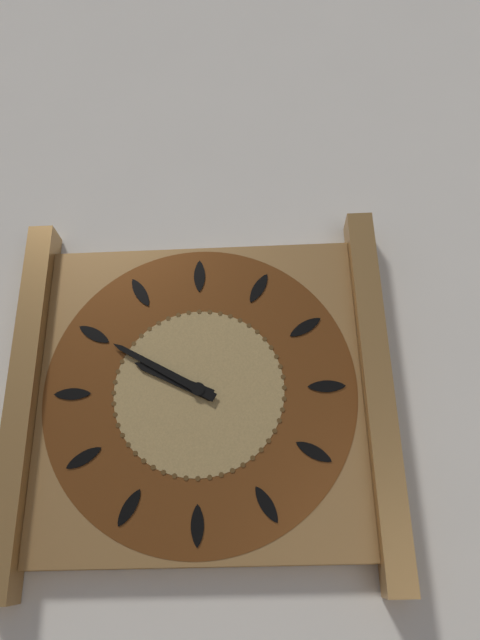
9:50
